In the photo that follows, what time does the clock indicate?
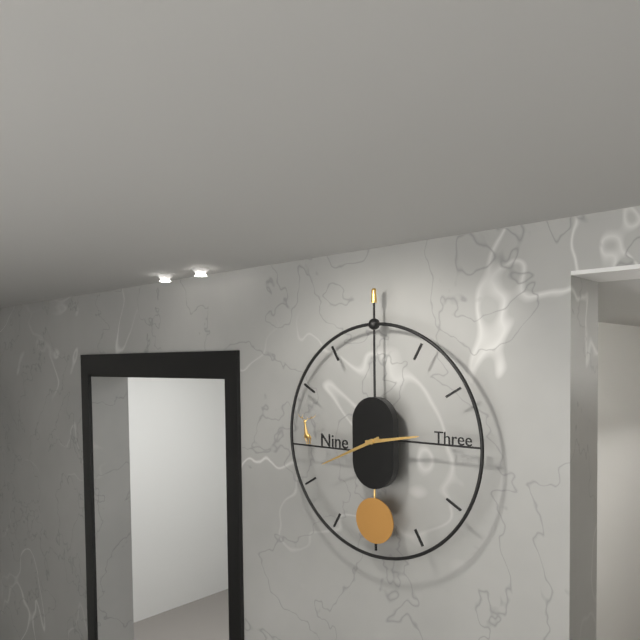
2:41
